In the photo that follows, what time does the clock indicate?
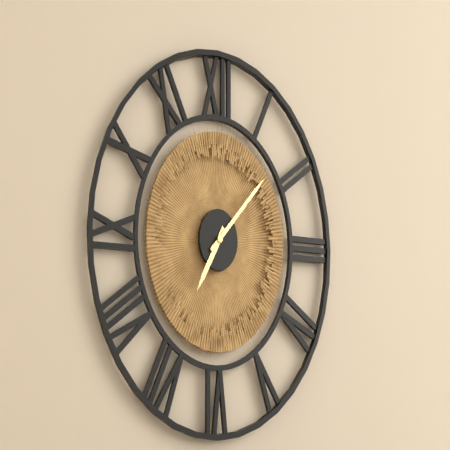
7:08
